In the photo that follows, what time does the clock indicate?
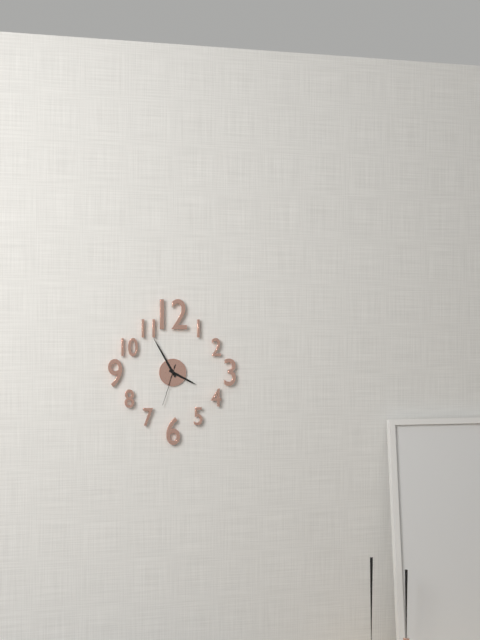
3:55
